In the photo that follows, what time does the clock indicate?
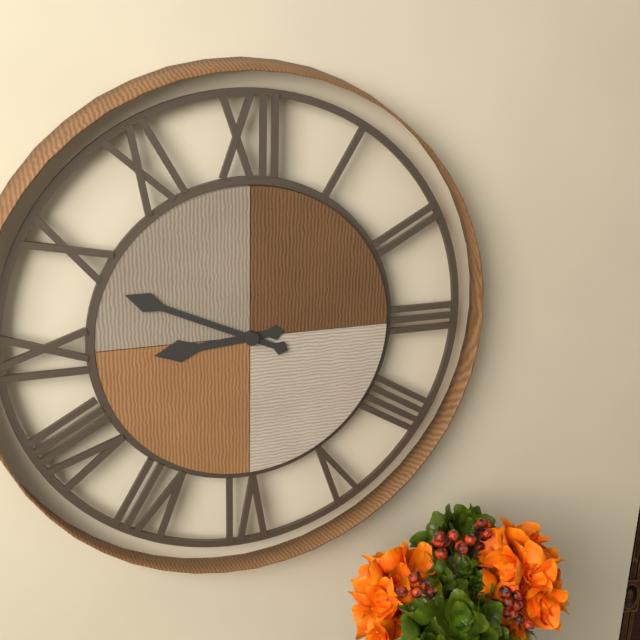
8:49
